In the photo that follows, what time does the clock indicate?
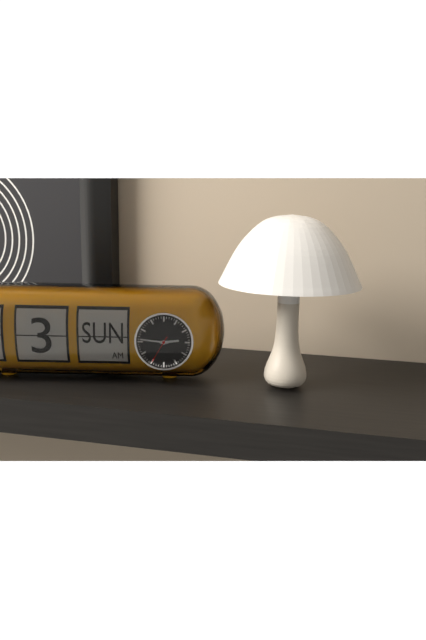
2:46
